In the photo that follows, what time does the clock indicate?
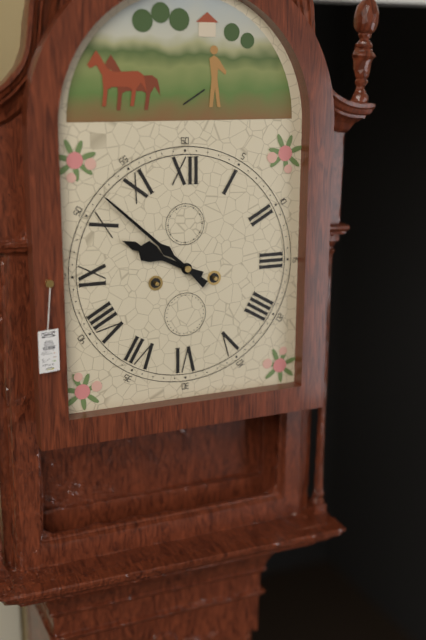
9:52
